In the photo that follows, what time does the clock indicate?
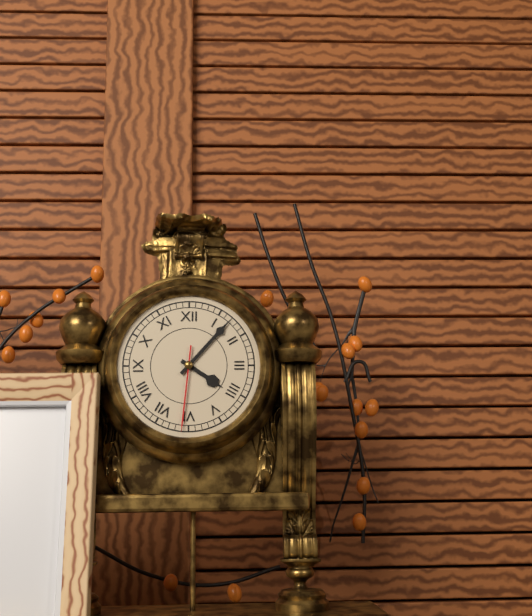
4:07:31
